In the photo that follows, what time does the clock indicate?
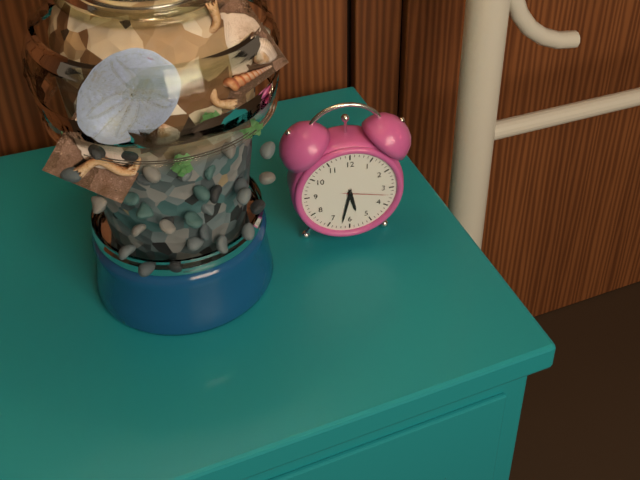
5:32:17
